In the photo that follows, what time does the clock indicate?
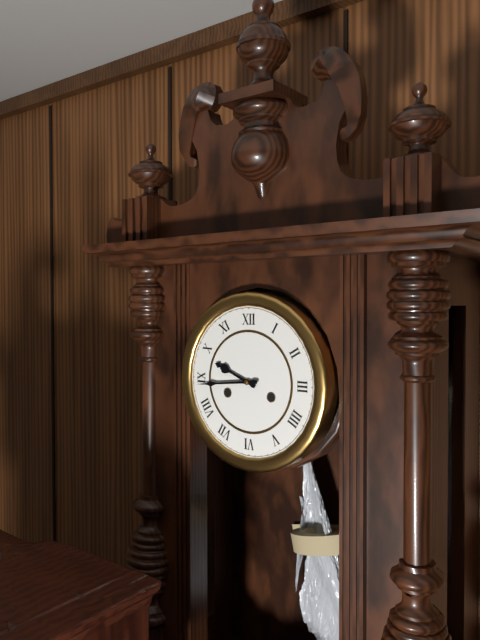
9:44
